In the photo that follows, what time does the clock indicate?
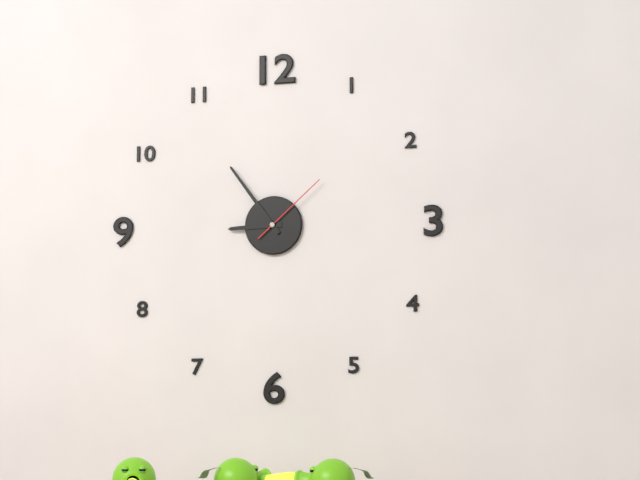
8:54:08
